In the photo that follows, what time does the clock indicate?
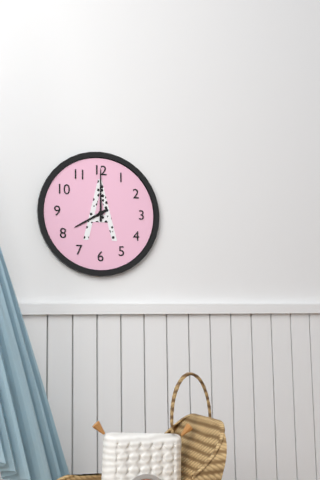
8:00
